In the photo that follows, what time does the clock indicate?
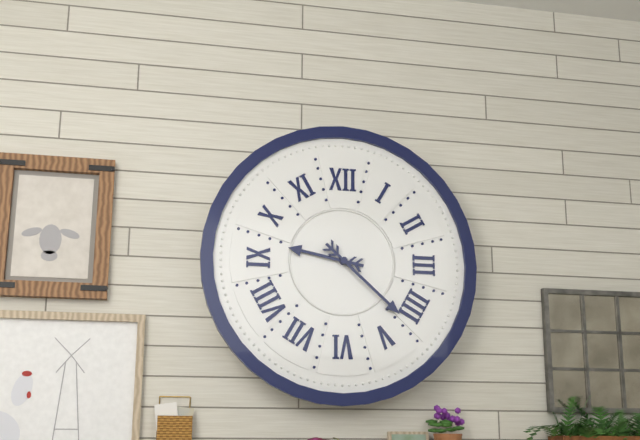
9:22
